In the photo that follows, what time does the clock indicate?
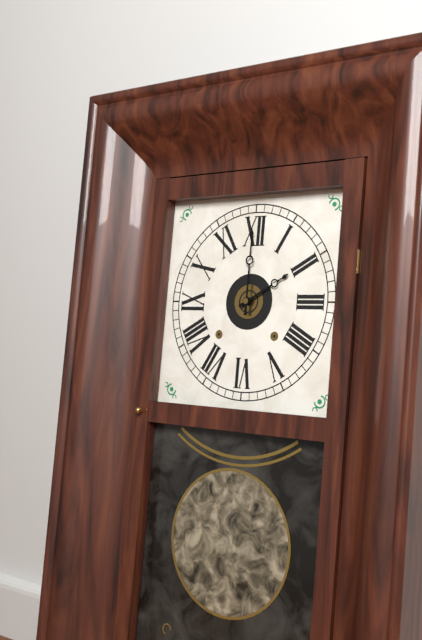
2:00
